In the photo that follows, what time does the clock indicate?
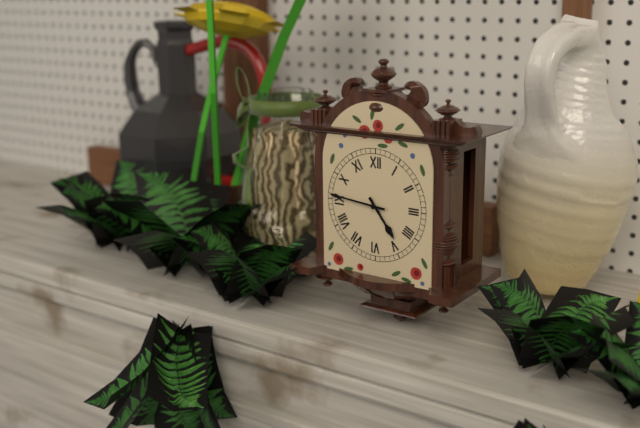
4:46
